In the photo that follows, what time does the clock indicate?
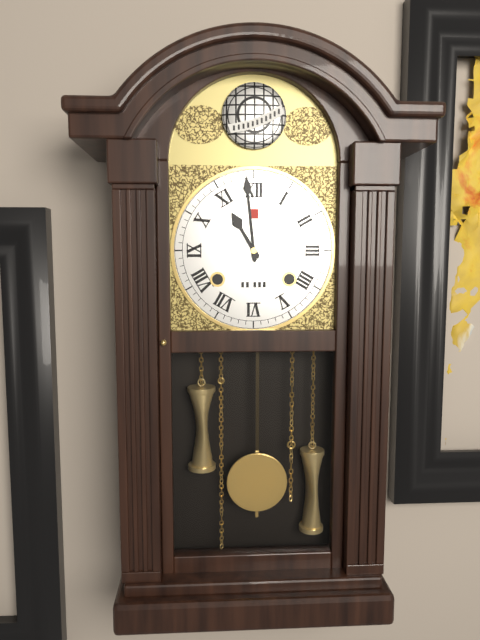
10:59
